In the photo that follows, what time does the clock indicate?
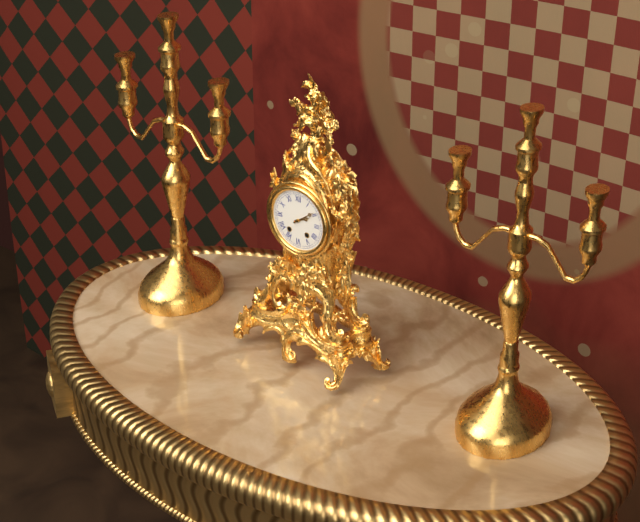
2:09
